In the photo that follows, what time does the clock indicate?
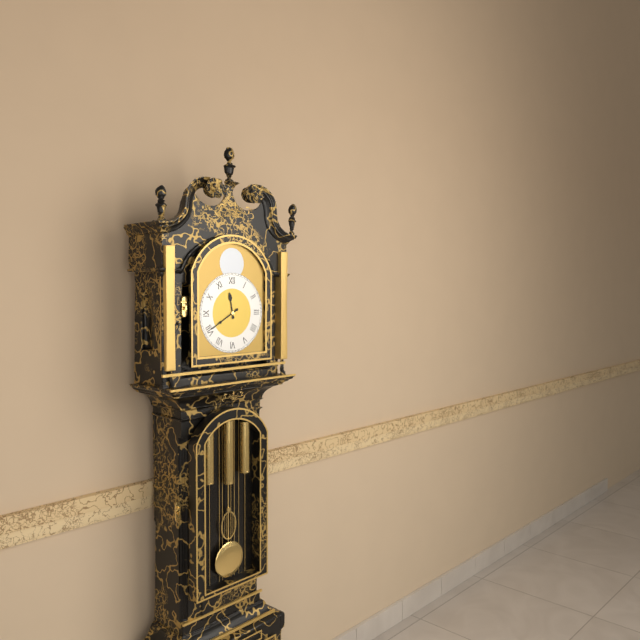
11:40
